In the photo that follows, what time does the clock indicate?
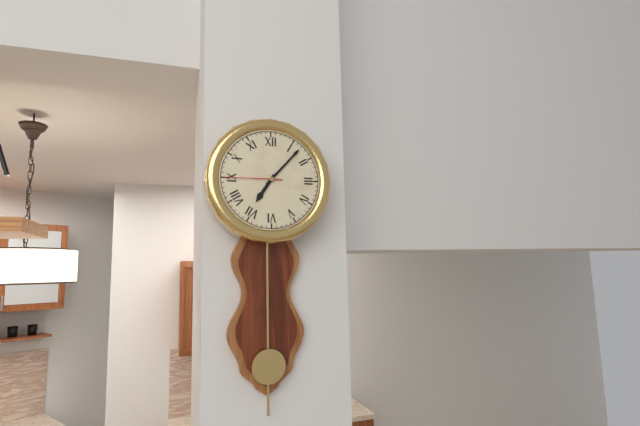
7:07:45
